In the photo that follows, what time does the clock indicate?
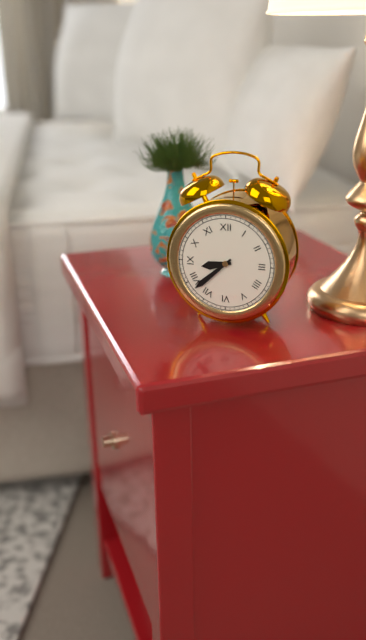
8:38
